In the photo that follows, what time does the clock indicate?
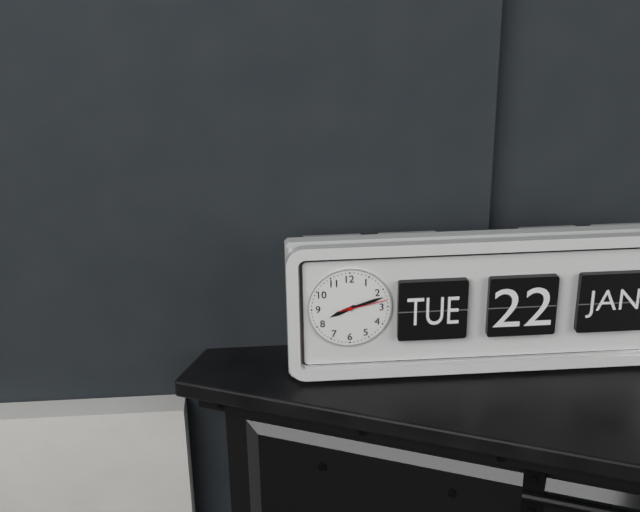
8:12
